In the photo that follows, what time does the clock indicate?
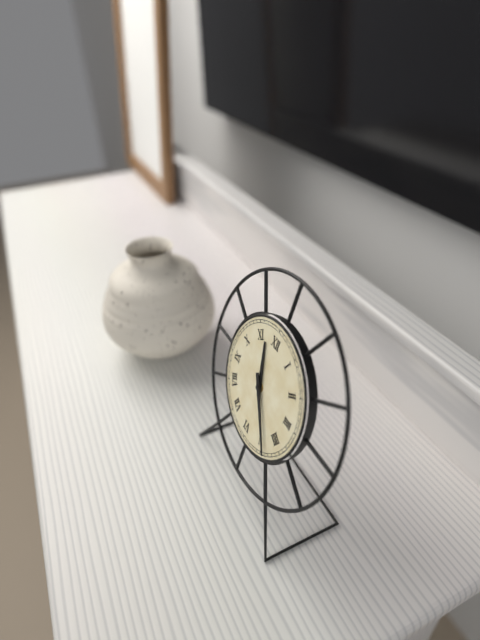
11:24
